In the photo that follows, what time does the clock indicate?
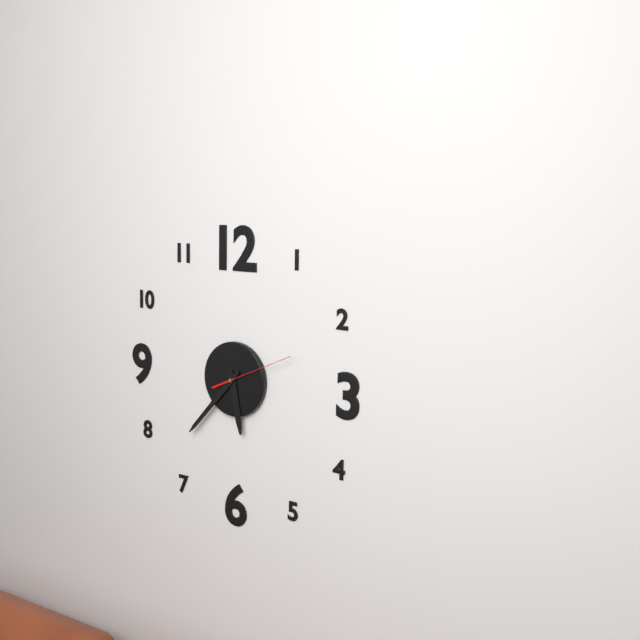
5:37:11
